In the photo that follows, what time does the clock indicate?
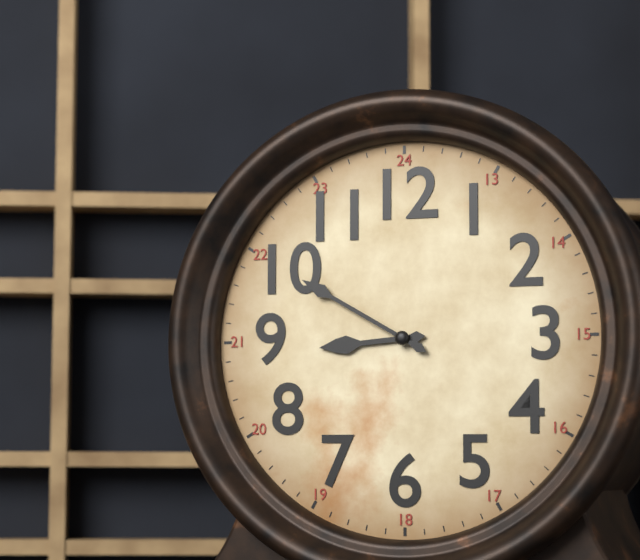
8:50
